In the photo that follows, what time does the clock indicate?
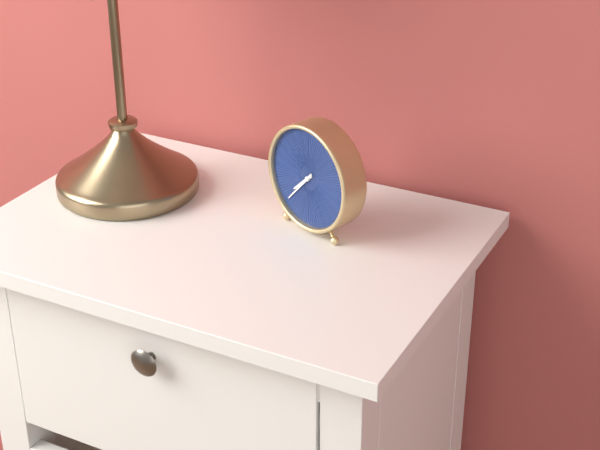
7:37
